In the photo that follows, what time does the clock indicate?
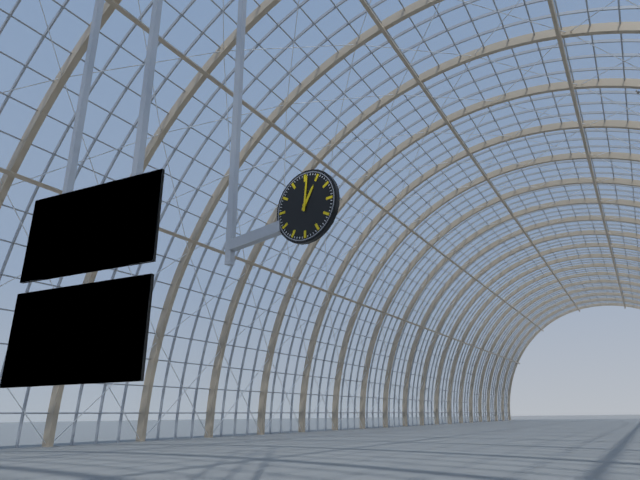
1:01
